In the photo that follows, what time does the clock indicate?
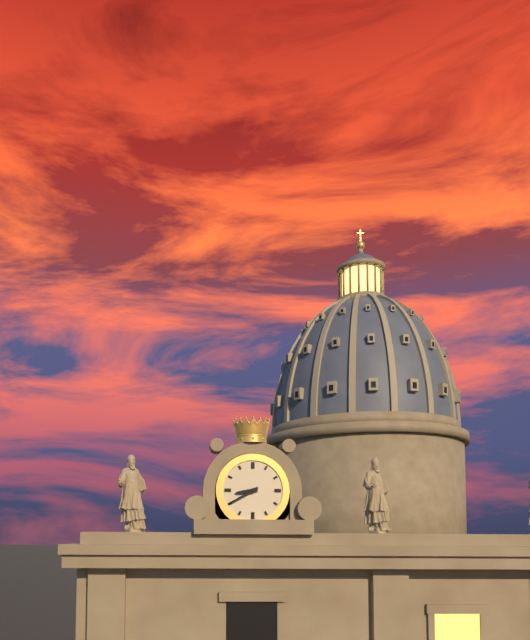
8:40
